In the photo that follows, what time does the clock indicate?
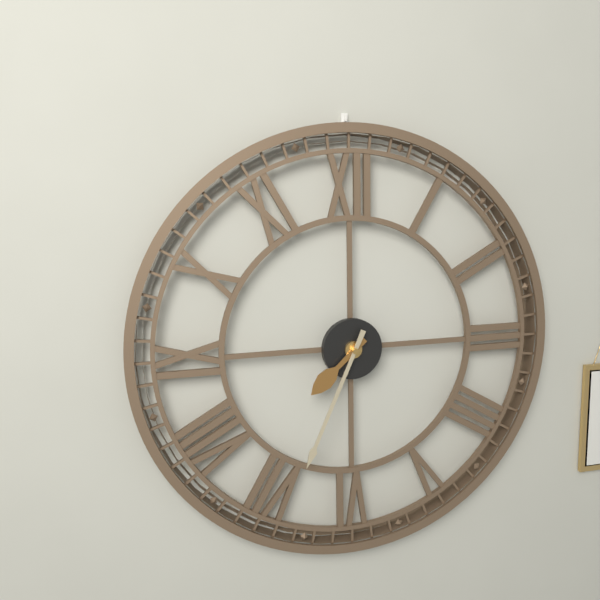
7:34
